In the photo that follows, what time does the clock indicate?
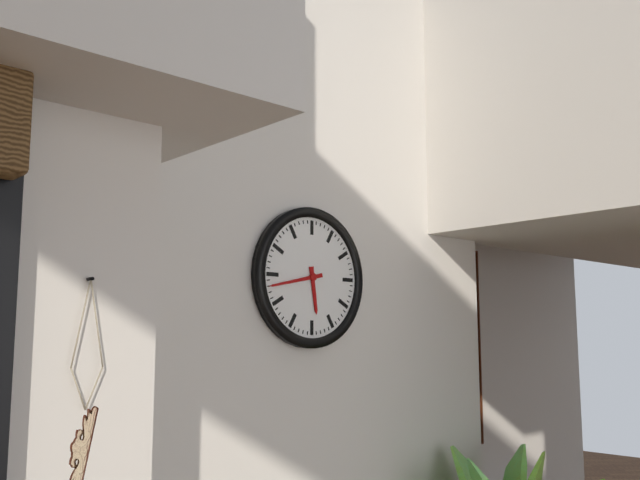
5:43
